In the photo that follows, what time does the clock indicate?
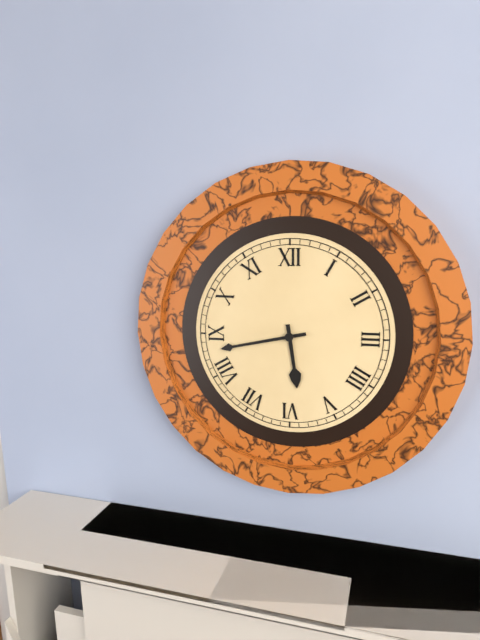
5:43
